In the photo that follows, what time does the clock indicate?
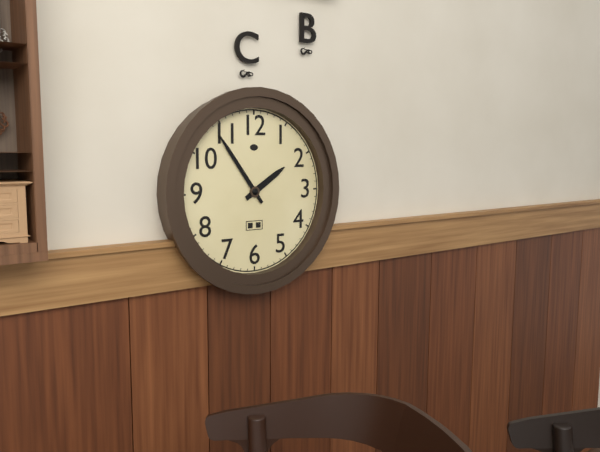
1:54
